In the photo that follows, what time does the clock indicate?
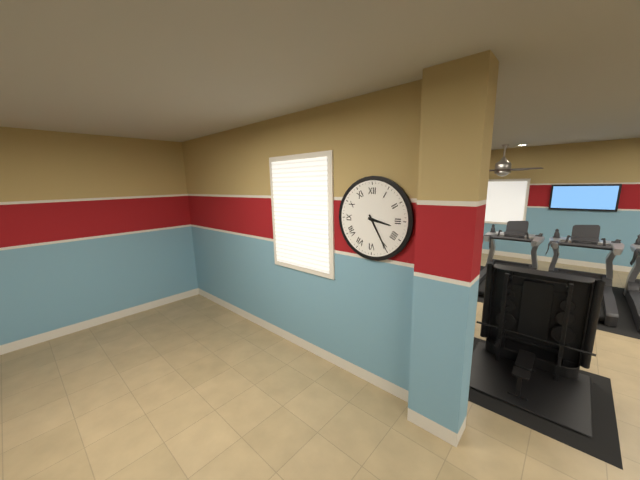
3:25
